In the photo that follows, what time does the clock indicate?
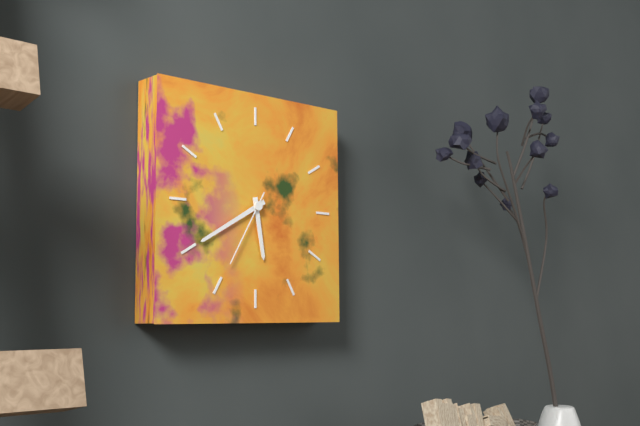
5:40:35
